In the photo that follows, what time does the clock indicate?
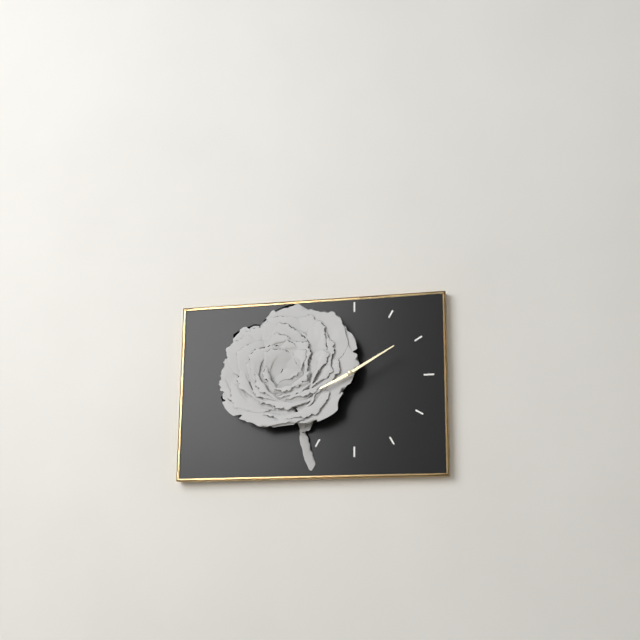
8:10
